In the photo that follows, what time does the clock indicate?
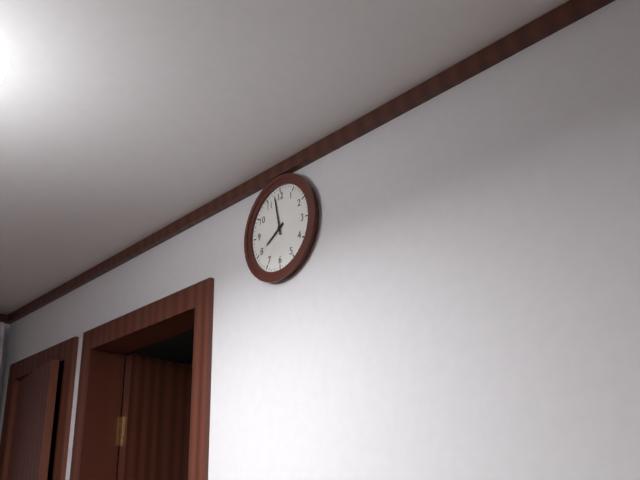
7:58
